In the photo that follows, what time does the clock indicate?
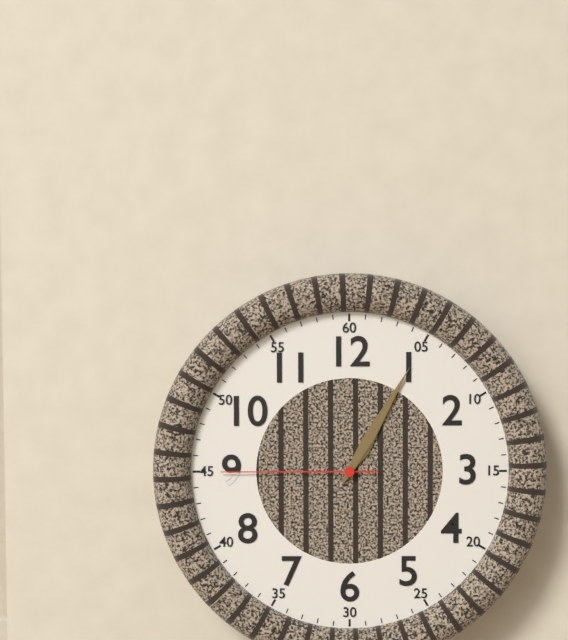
1:05:45
